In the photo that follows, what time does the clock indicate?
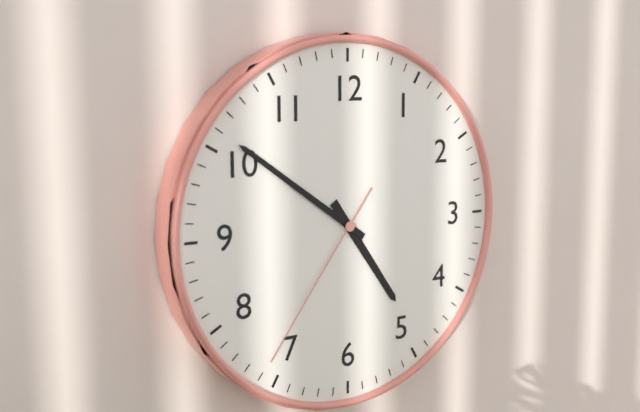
4:51:36
